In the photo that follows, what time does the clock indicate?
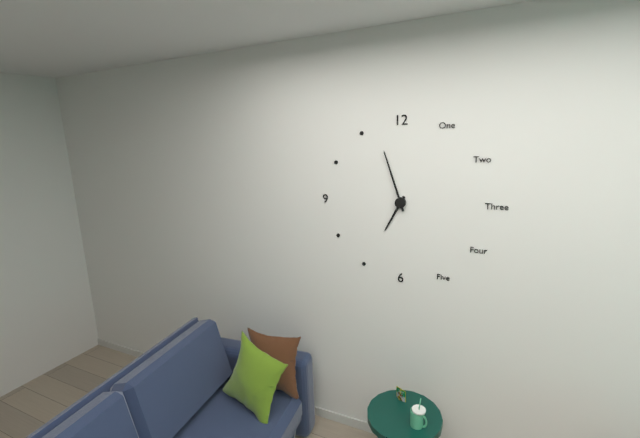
6:57
